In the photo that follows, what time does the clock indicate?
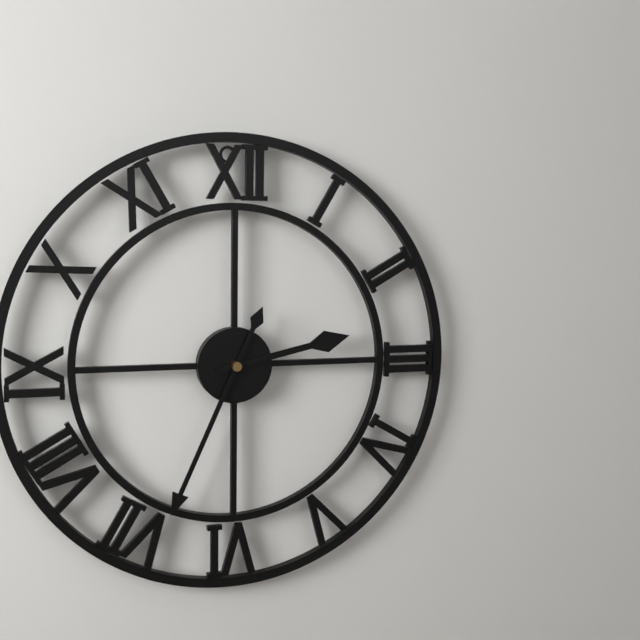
2:34
